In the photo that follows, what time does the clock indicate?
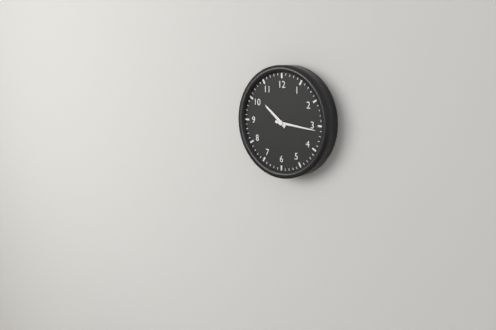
10:16
